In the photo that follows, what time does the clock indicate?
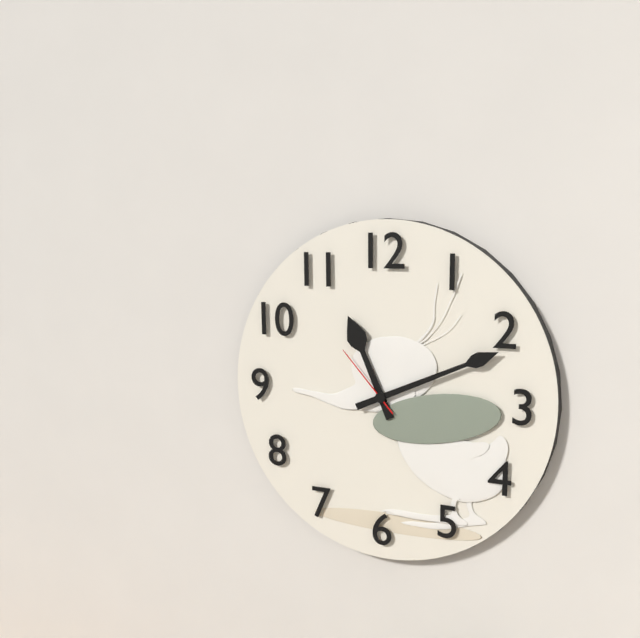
11:11:53
